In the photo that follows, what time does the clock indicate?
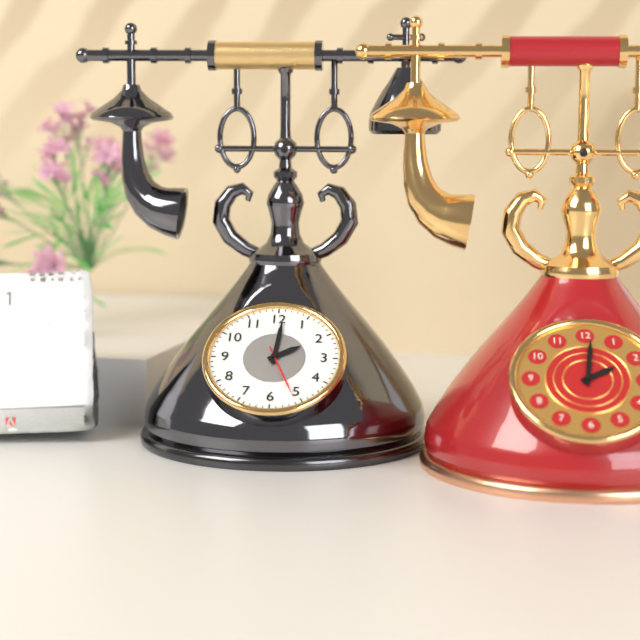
2:01:26
